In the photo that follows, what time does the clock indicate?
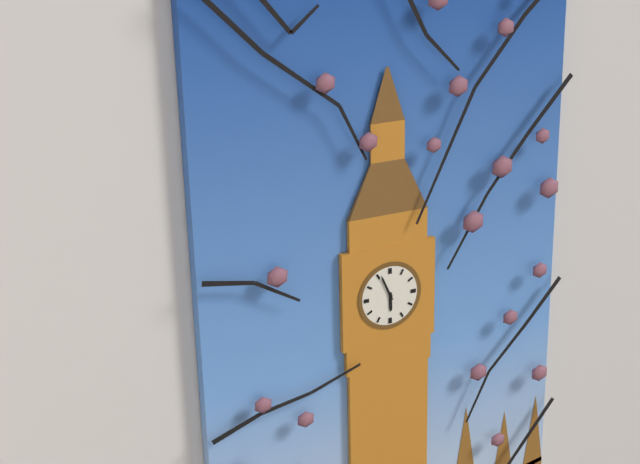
5:56
